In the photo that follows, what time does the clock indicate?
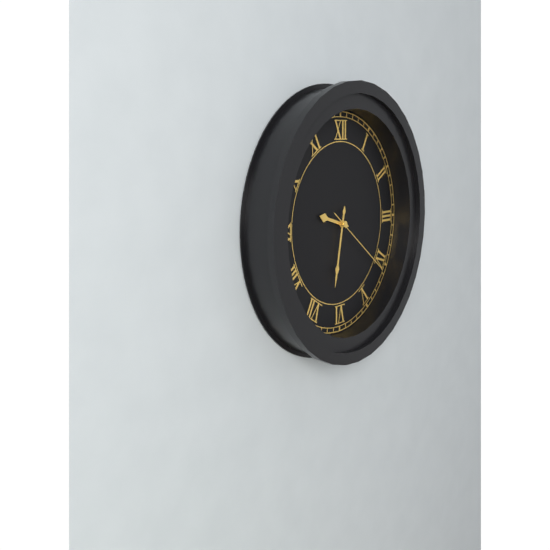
9:32:21
